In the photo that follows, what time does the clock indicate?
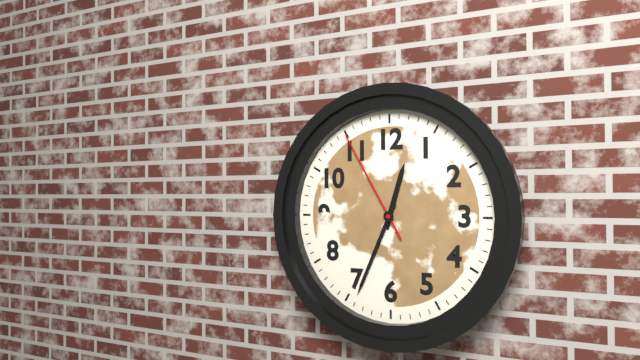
12:34:55
